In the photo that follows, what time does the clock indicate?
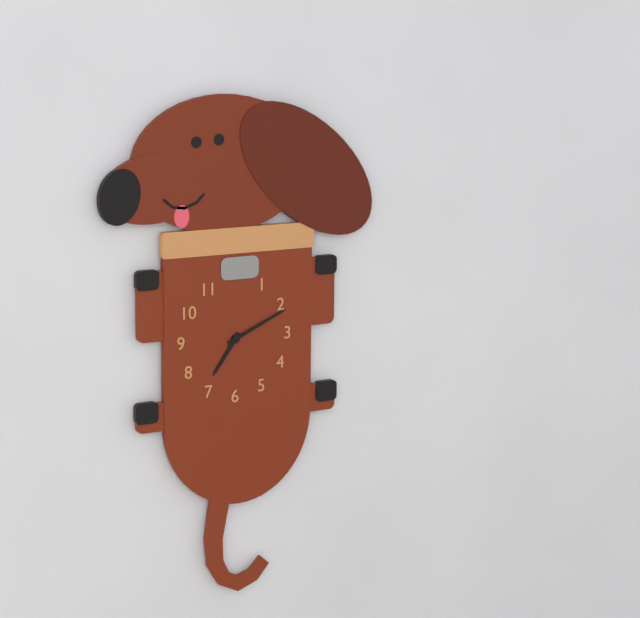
7:11
